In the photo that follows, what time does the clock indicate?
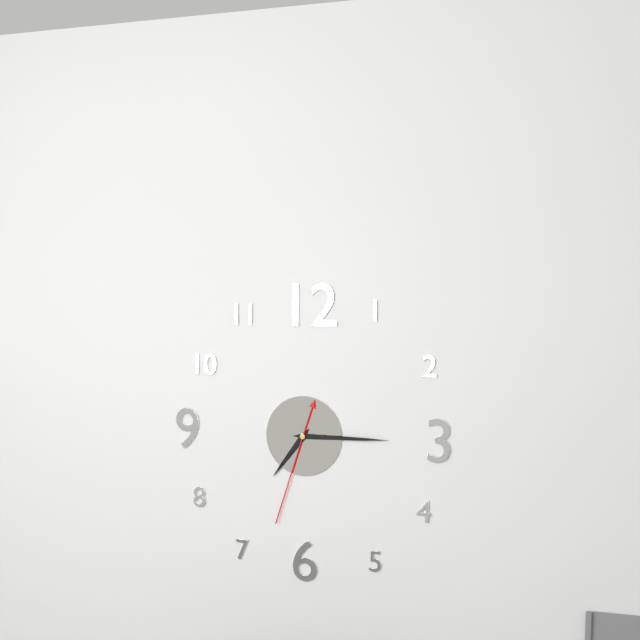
7:15:33
